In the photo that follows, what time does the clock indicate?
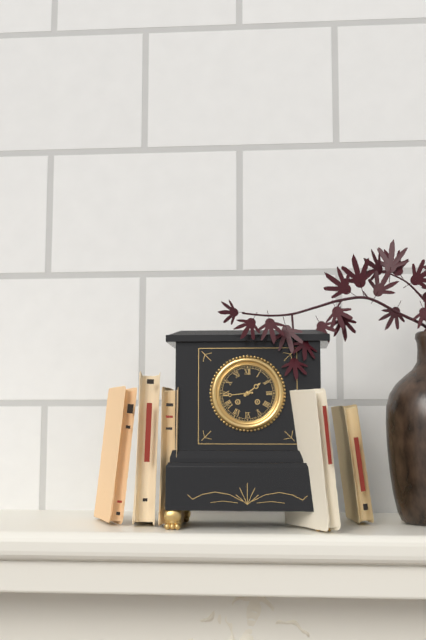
1:44
